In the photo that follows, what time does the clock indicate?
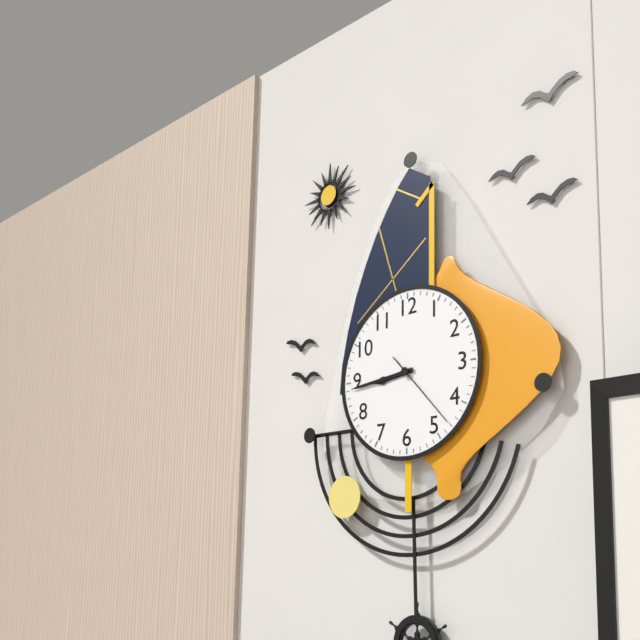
8:44:23
